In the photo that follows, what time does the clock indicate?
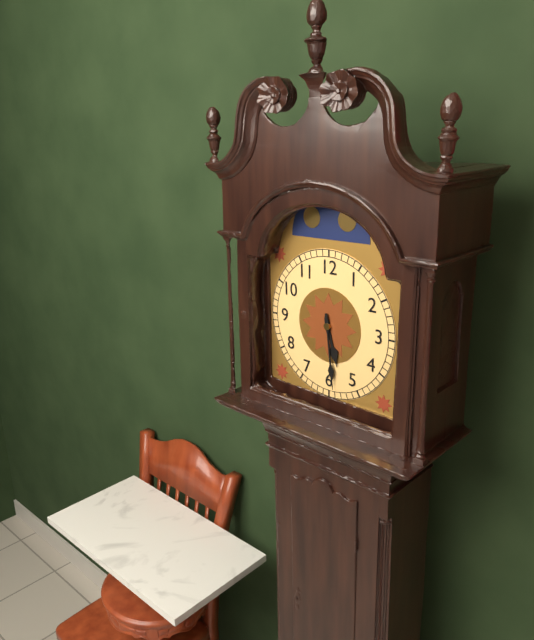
5:29
